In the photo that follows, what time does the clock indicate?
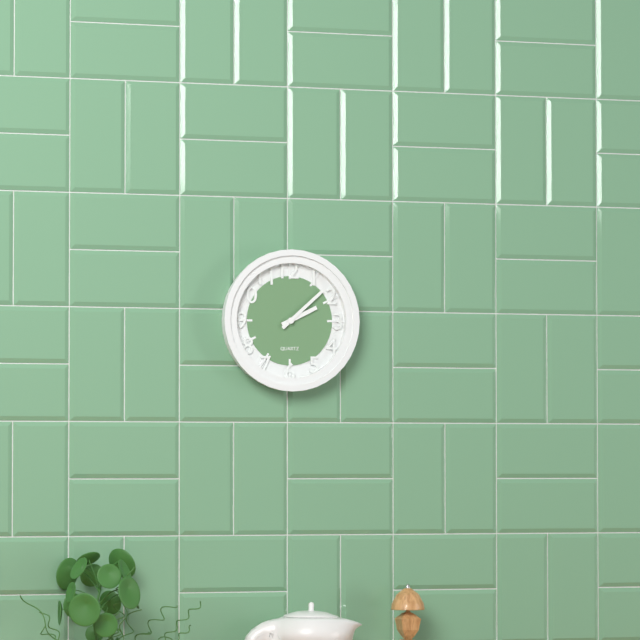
2:08
